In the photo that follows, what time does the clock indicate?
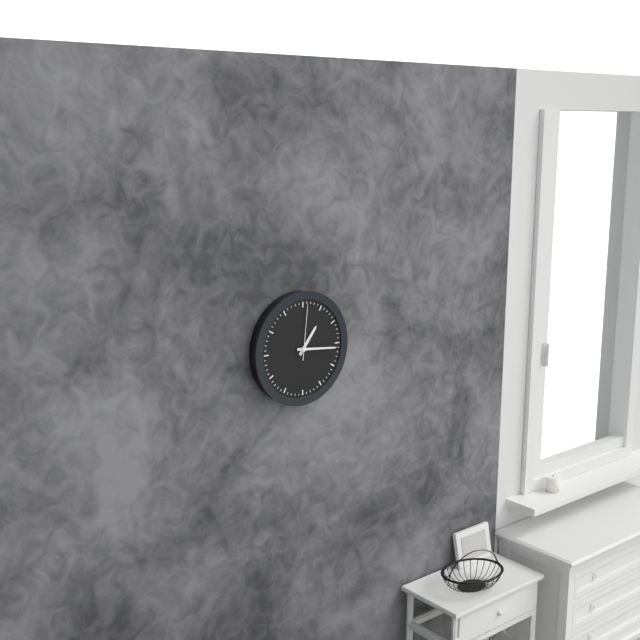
1:16:01
